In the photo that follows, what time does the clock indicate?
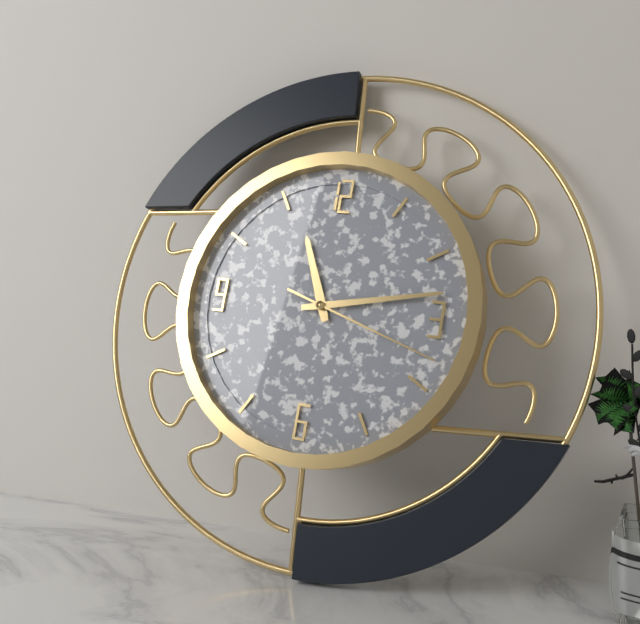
11:13:18
